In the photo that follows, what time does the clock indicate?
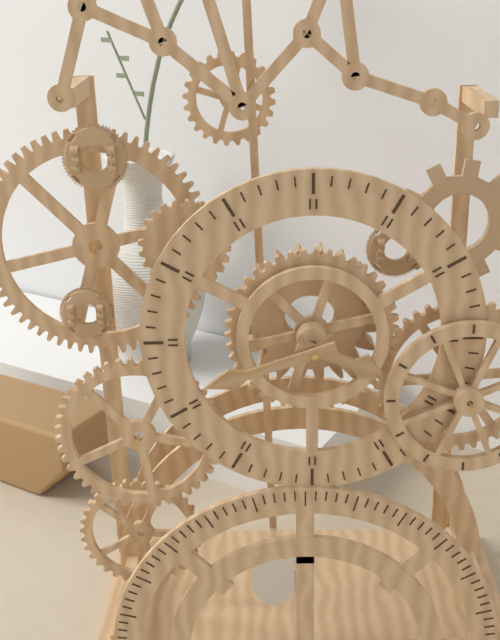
3:42
